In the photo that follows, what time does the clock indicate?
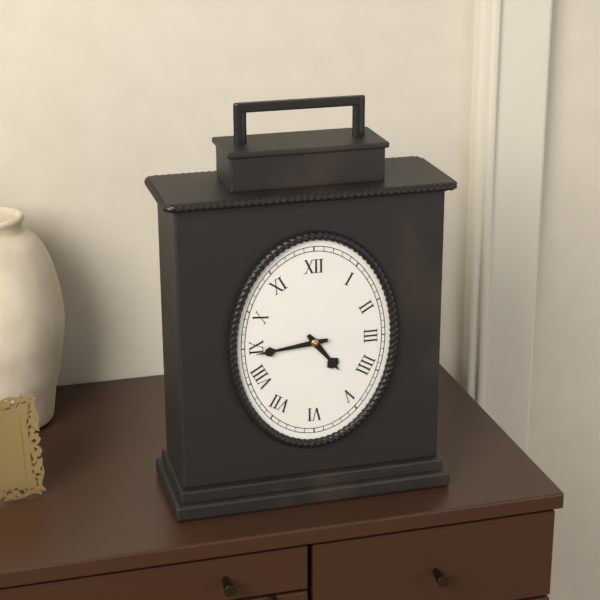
4:44
